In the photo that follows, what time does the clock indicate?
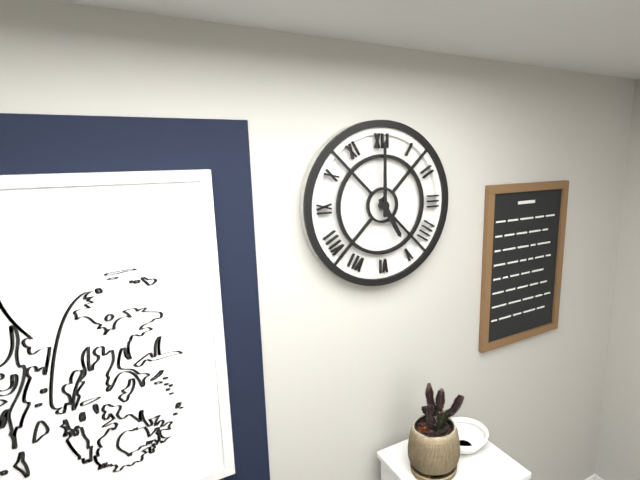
5:00
